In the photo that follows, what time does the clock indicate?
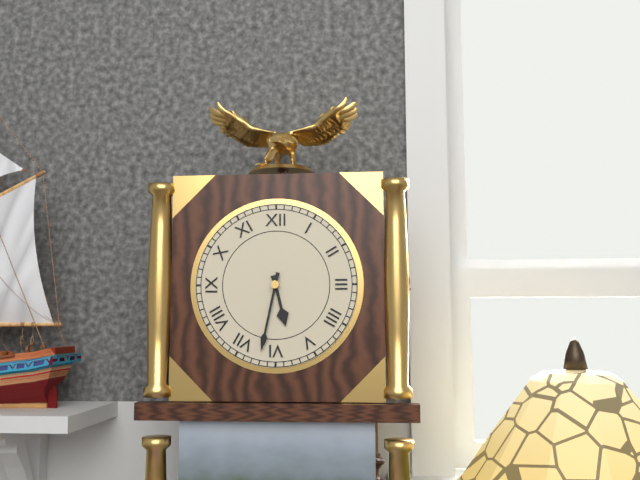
5:32
